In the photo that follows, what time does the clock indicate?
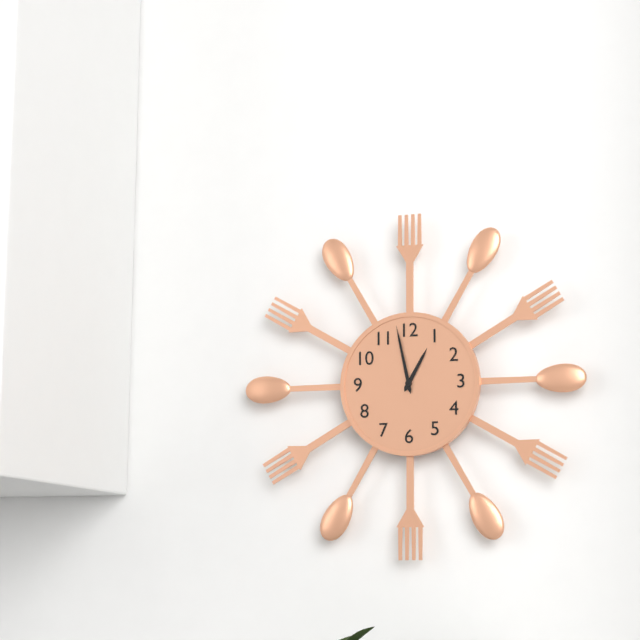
12:58
